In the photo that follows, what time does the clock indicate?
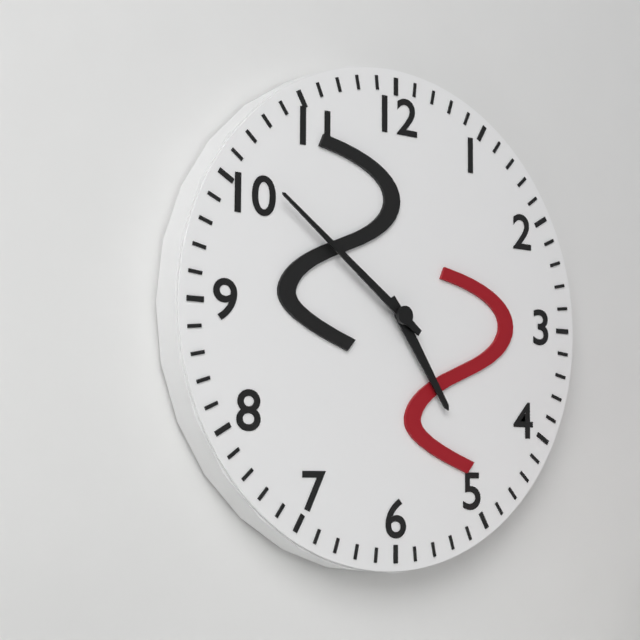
4:51
